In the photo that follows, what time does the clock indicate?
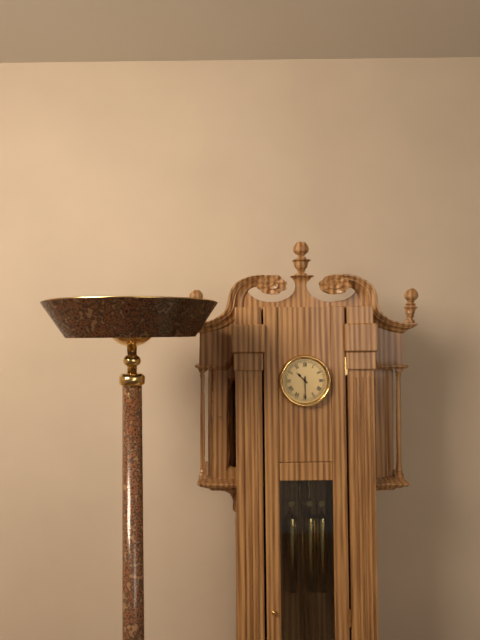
10:30
